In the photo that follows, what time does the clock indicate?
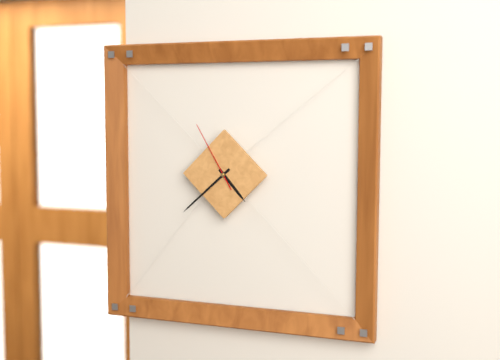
4:38:55
